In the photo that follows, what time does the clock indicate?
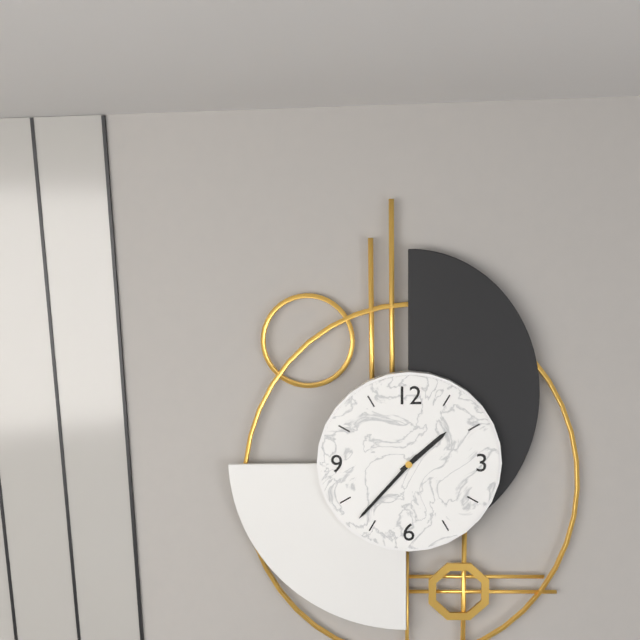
1:37
